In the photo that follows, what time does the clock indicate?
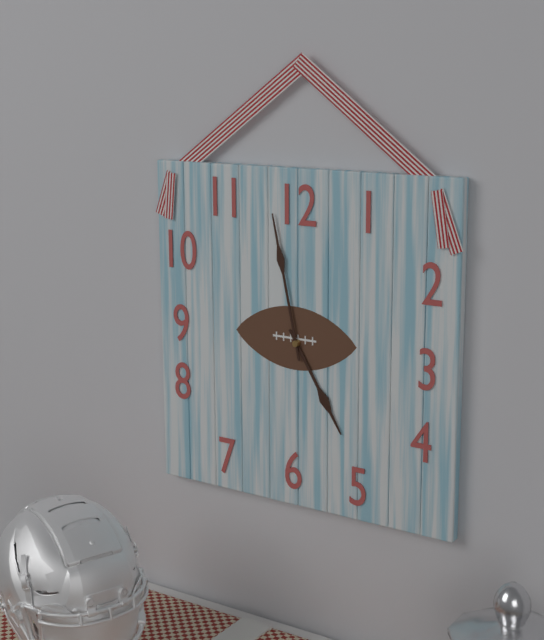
4:58
